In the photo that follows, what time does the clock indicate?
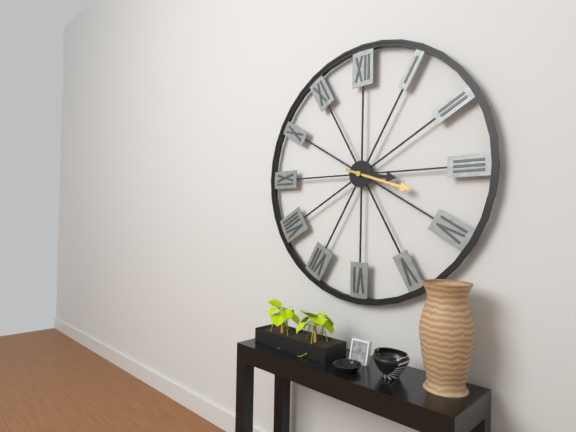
3:18
